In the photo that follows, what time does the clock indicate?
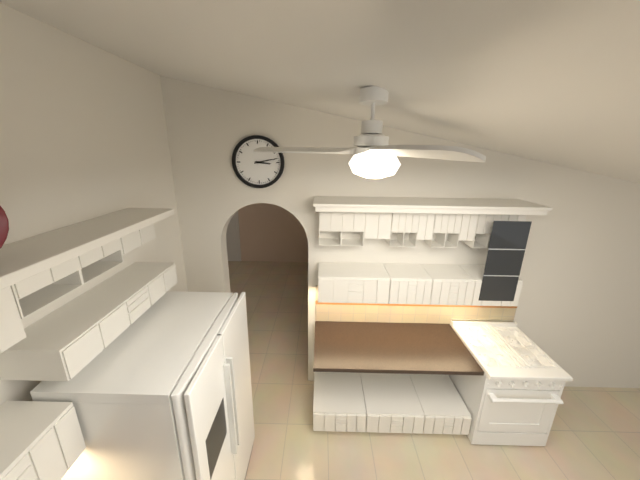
3:13
